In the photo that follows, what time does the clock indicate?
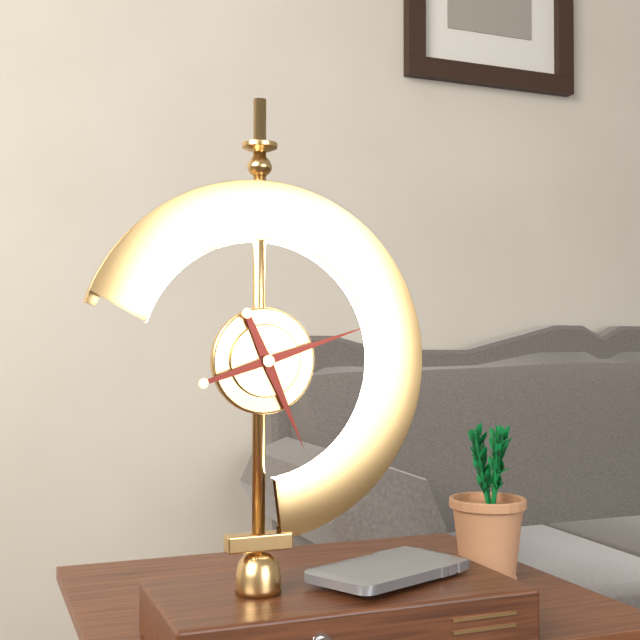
5:12
